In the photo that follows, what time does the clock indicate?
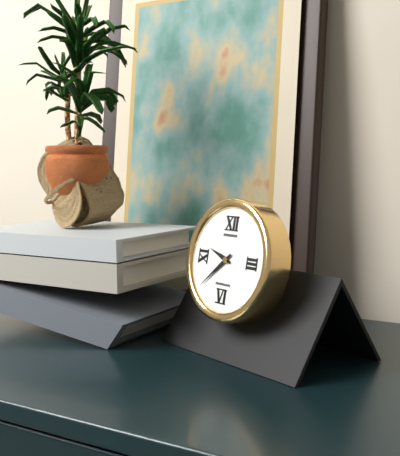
9:38
